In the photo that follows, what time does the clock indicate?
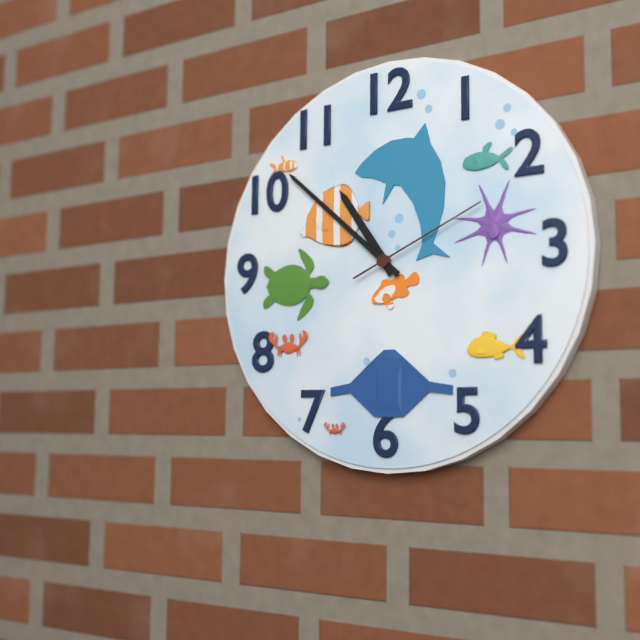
10:52:11
